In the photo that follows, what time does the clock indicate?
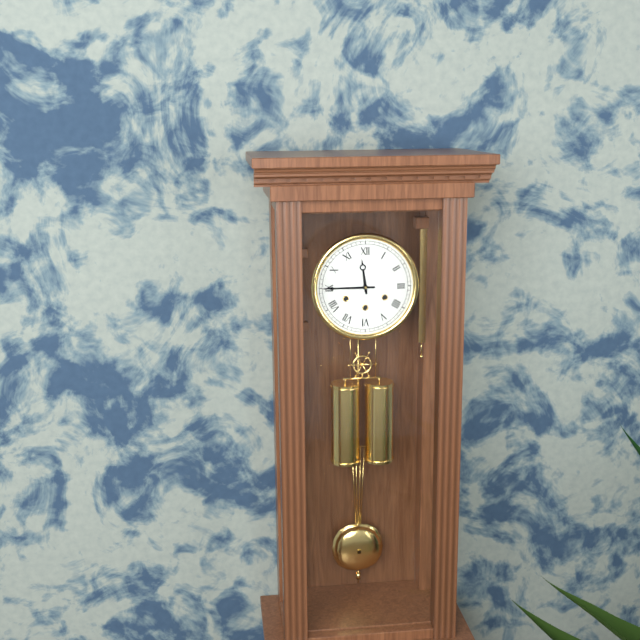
11:45
